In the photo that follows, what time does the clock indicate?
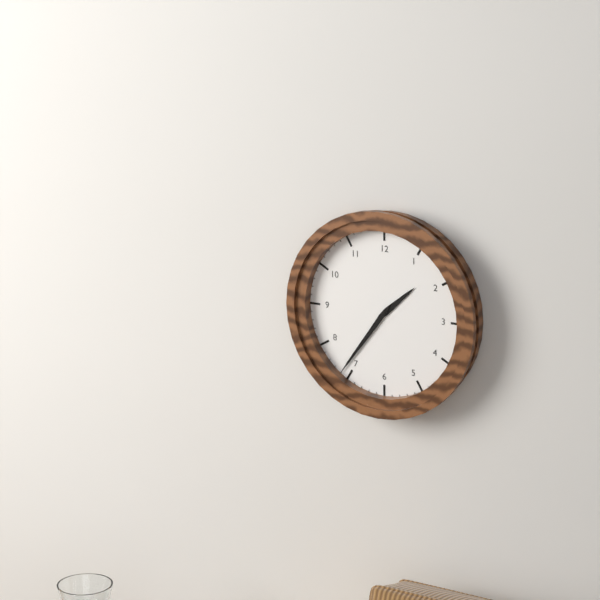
1:36
